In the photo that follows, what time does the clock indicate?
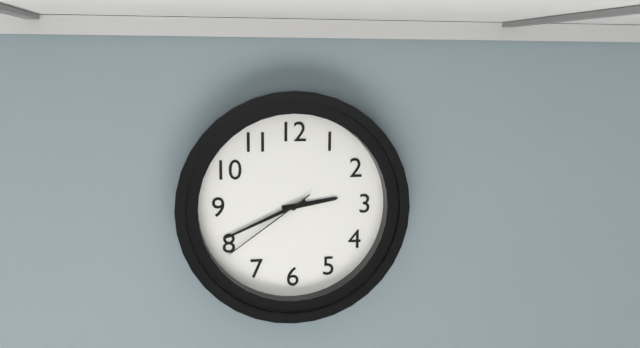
2:41:39
